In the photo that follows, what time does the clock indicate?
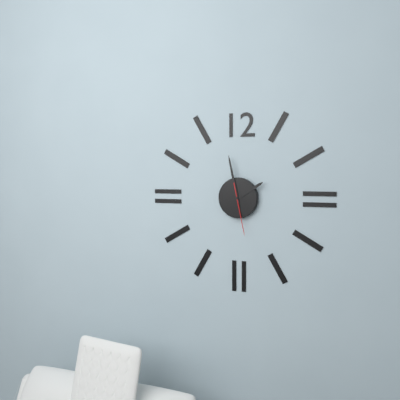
1:58
